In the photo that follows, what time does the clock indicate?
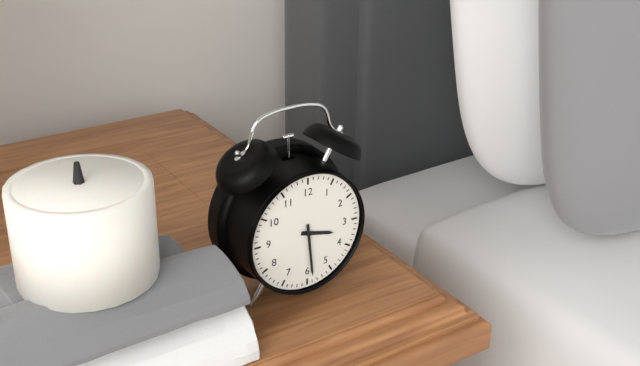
3:29
